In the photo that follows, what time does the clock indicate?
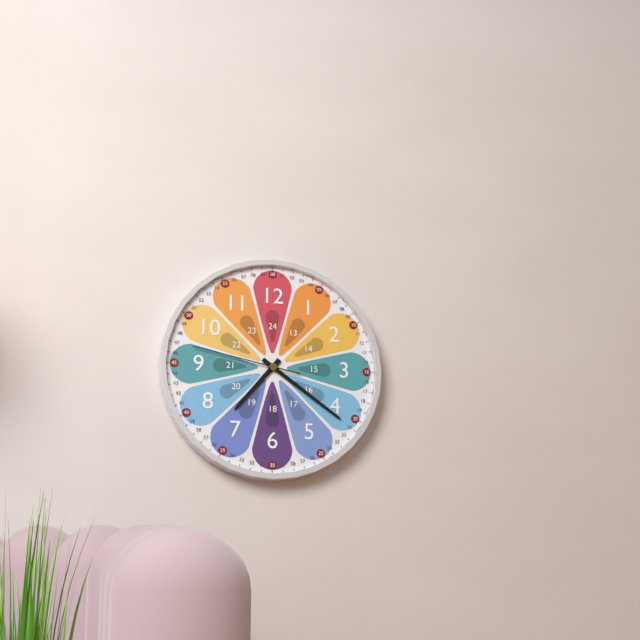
7:21:47
